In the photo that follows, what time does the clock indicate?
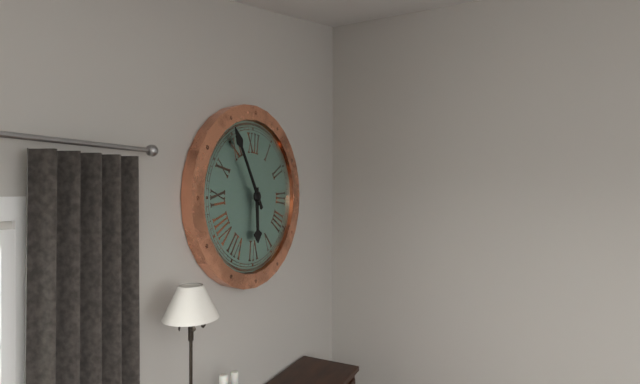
5:55
